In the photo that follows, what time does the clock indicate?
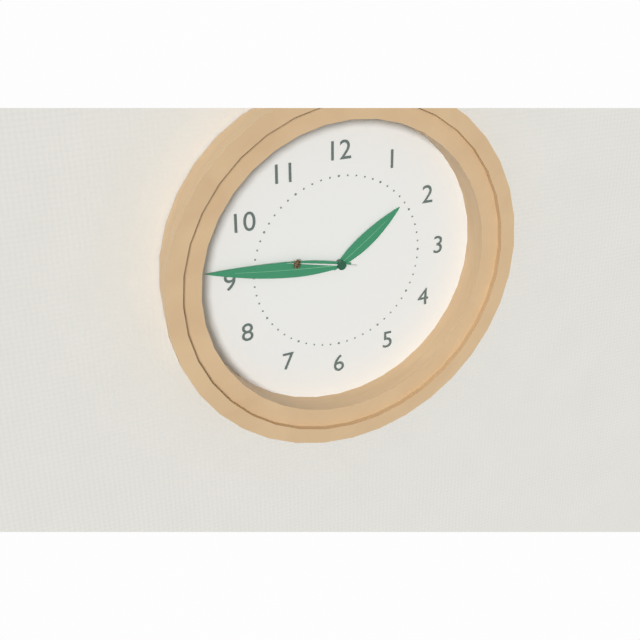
1:46:47
